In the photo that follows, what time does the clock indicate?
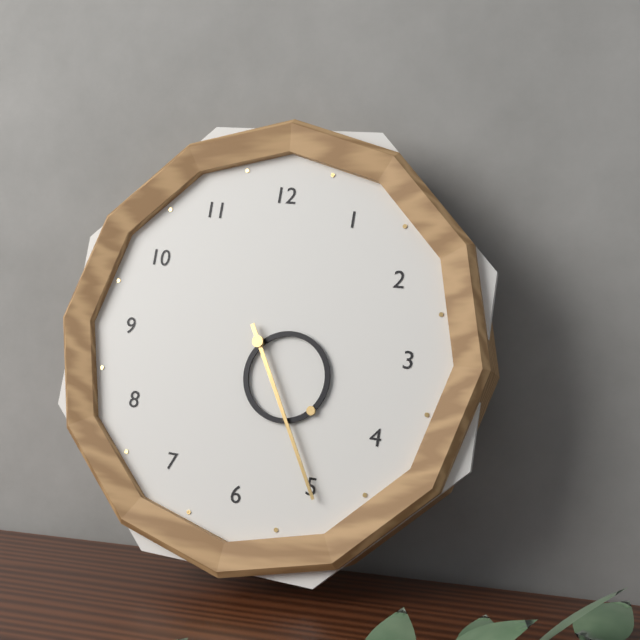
4:25
